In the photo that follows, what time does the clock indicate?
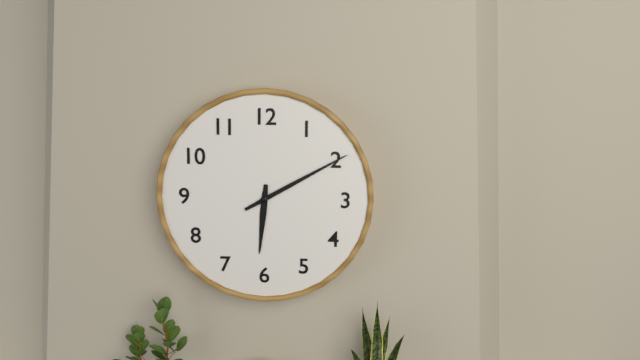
6:10
